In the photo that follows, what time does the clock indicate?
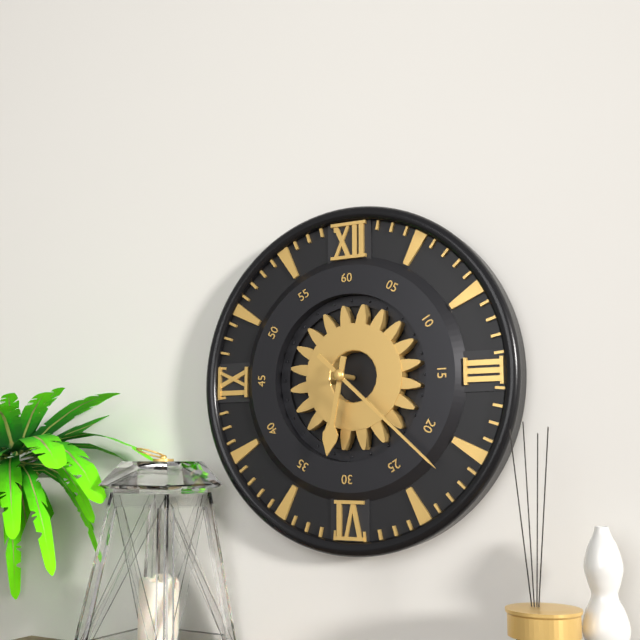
6:22
